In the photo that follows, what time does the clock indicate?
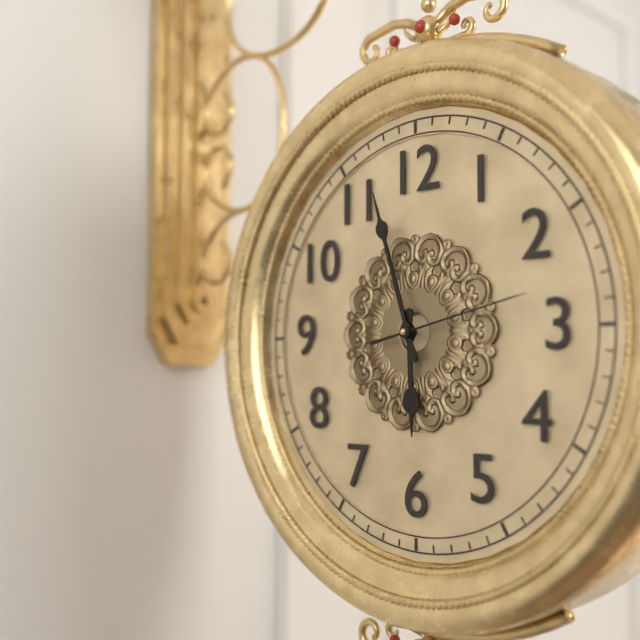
5:57:13
